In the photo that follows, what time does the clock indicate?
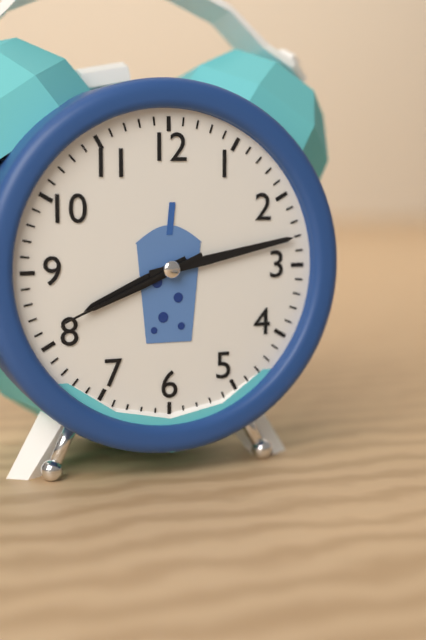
8:13:41
